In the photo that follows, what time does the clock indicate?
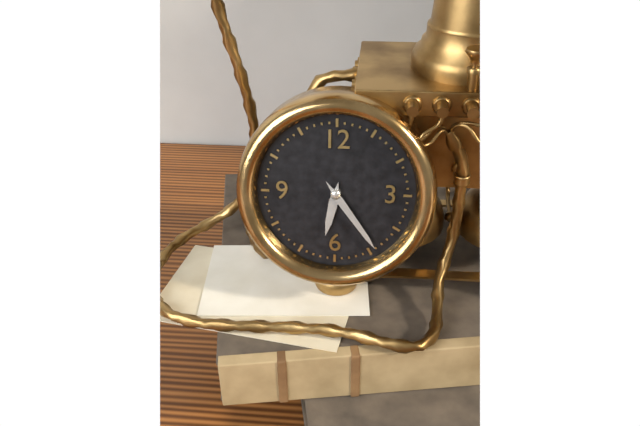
6:24
